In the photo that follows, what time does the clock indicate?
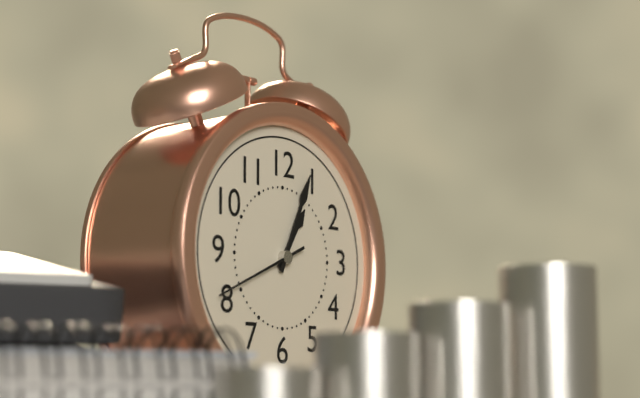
1:04:41
